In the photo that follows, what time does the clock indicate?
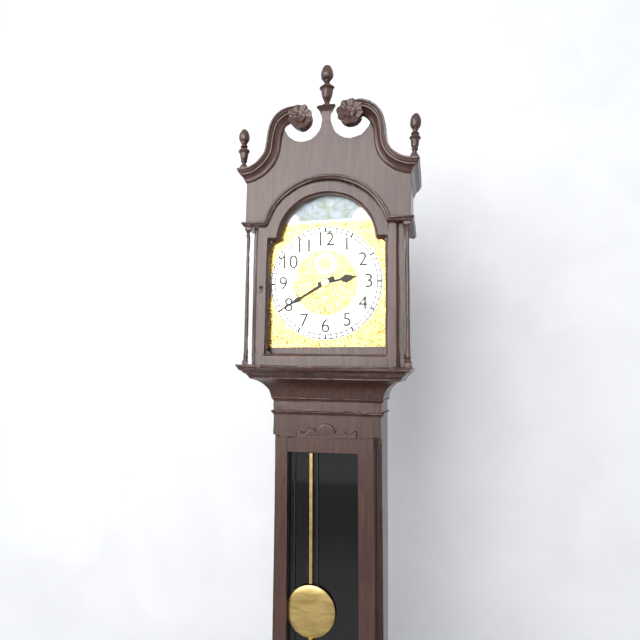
2:40
